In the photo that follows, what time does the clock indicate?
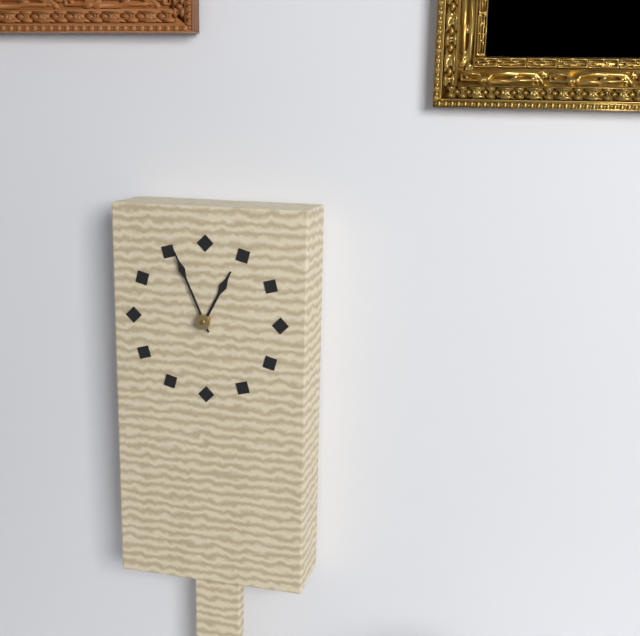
12:56
